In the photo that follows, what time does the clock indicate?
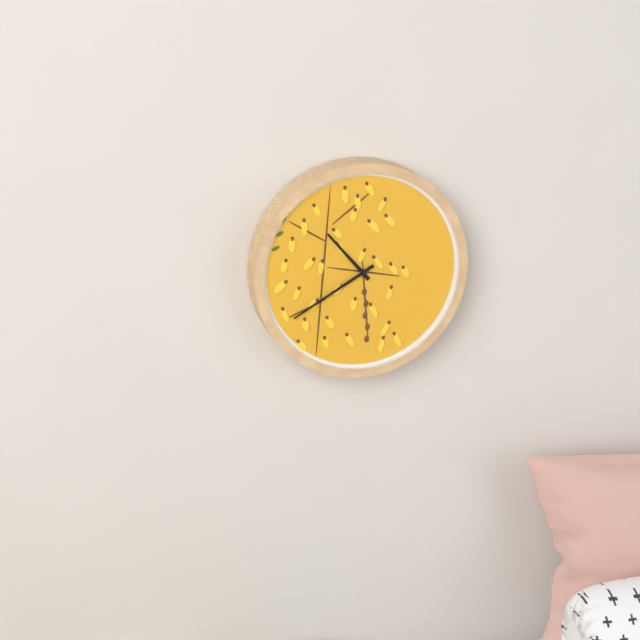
10:40
